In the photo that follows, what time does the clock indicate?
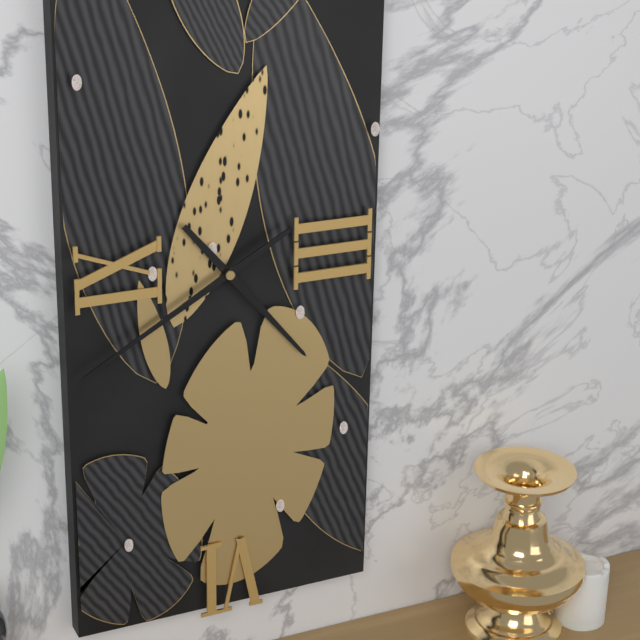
4:40
